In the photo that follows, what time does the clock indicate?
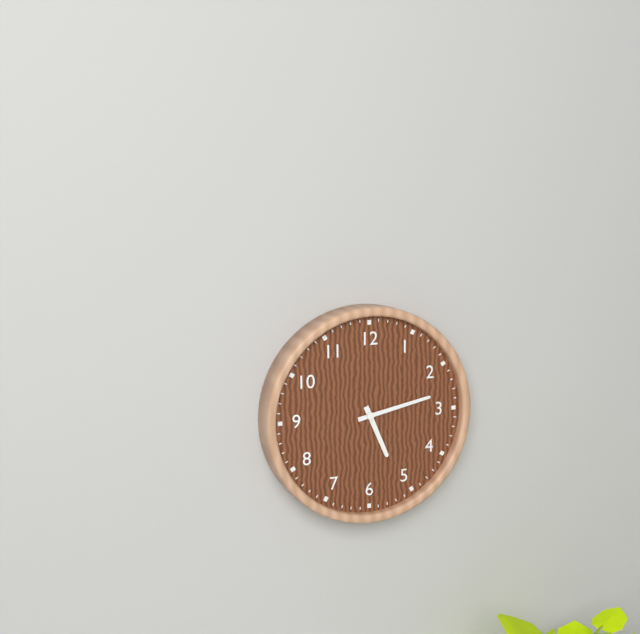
5:13
